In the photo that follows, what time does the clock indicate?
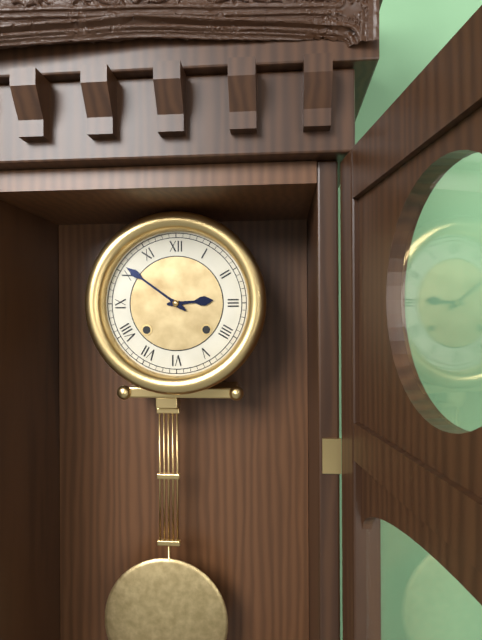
2:51
